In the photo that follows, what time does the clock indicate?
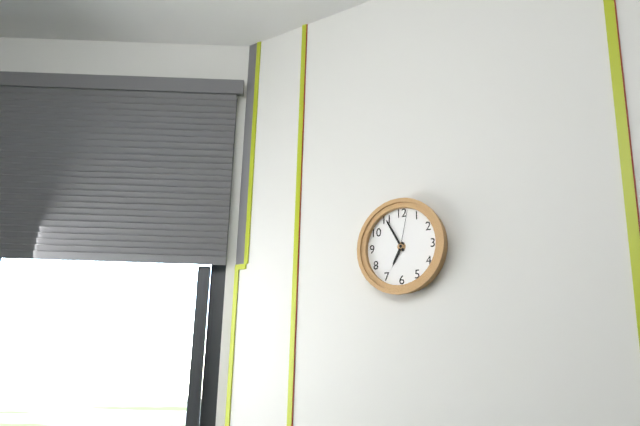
6:55
